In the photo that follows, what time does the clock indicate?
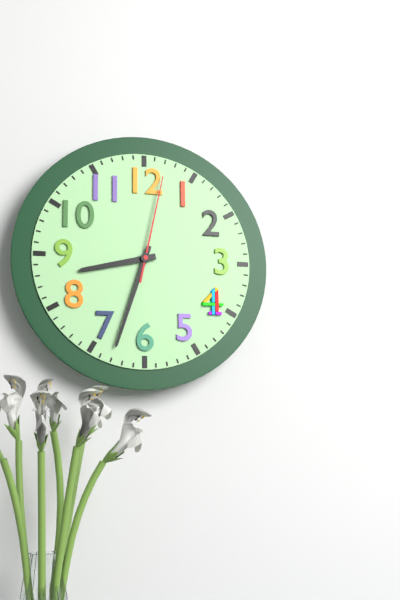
8:33:02
